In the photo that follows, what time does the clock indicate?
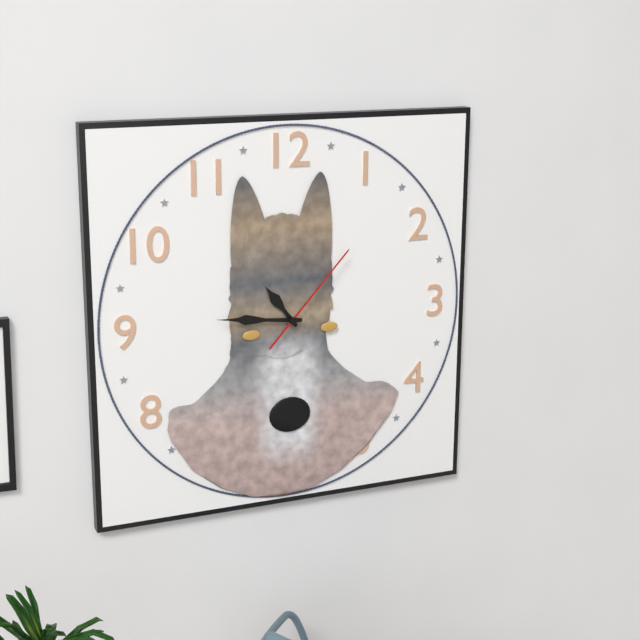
10:46:07
